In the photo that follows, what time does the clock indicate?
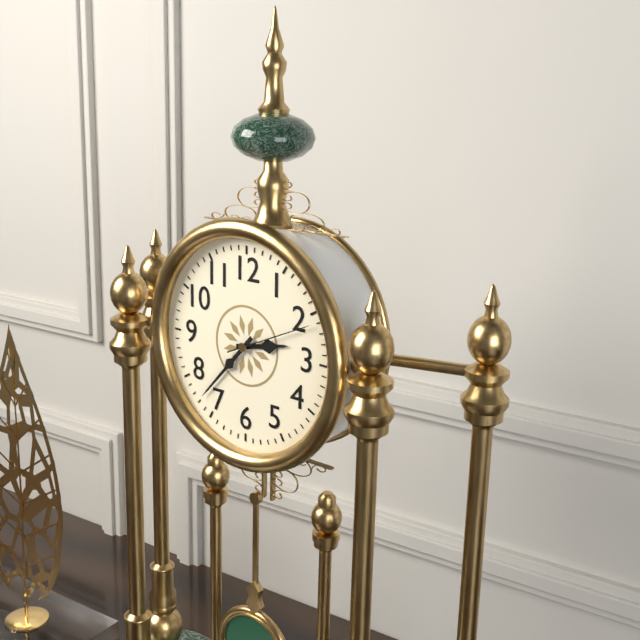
2:37:11
